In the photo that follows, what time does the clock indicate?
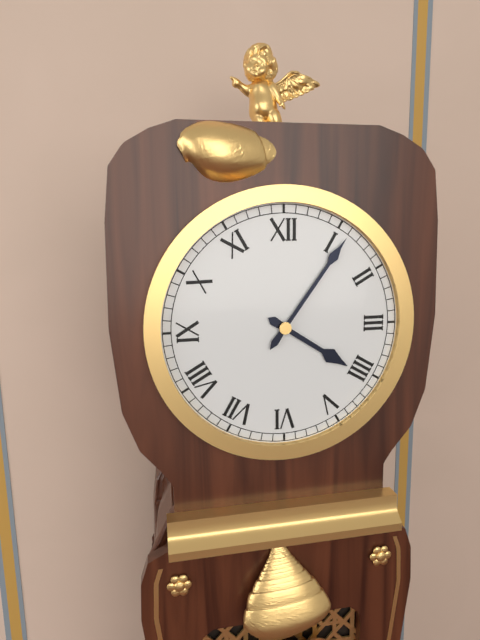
4:06
